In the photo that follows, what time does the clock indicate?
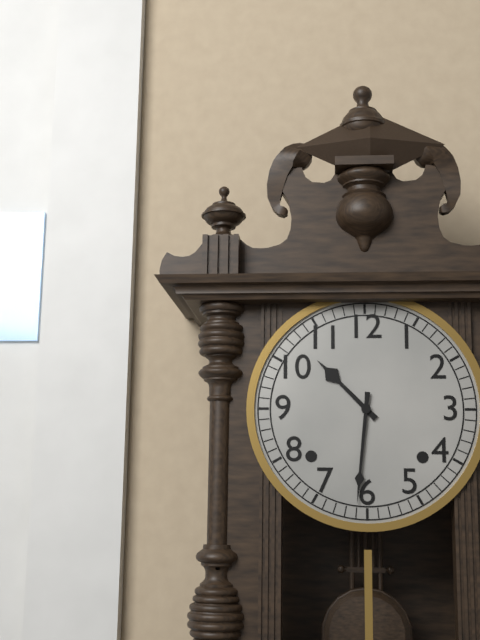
10:31
